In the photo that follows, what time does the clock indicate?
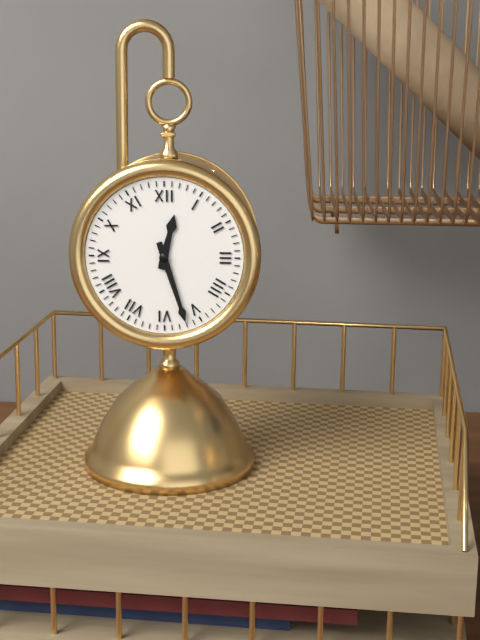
12:27
